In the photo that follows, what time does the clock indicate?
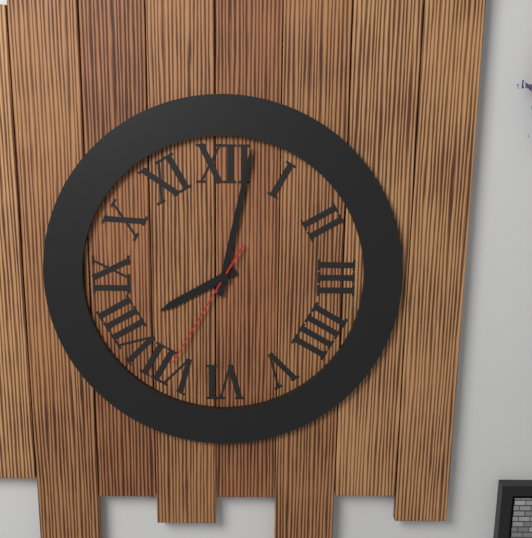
8:02:35
